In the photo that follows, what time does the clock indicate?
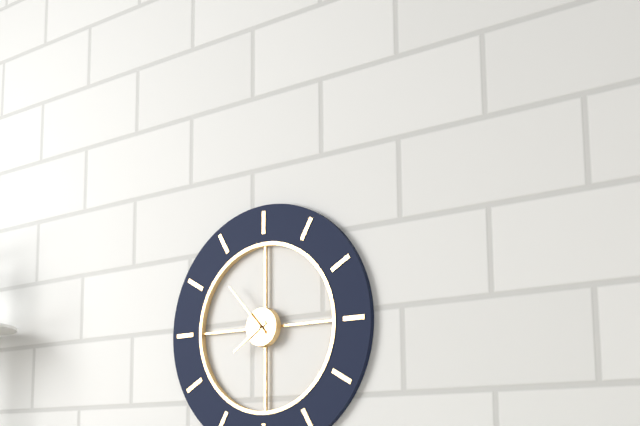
7:53
